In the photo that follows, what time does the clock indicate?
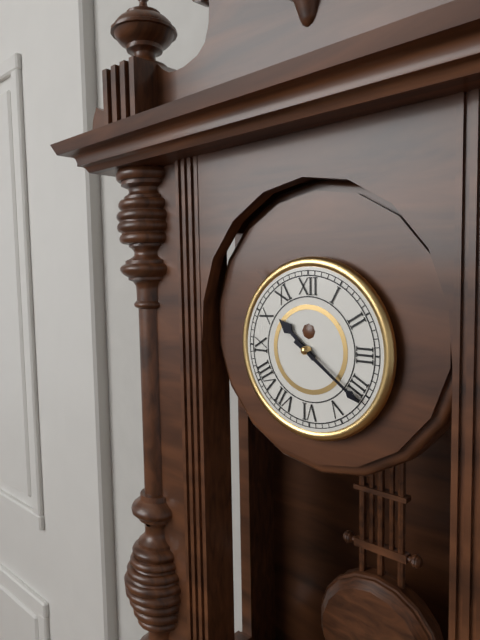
10:21
